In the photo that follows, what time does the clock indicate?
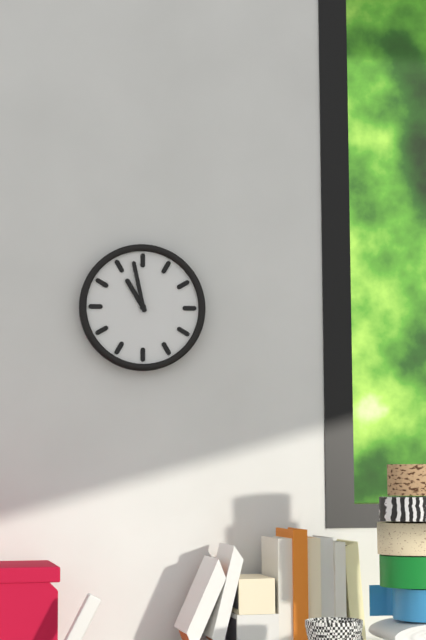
10:58
